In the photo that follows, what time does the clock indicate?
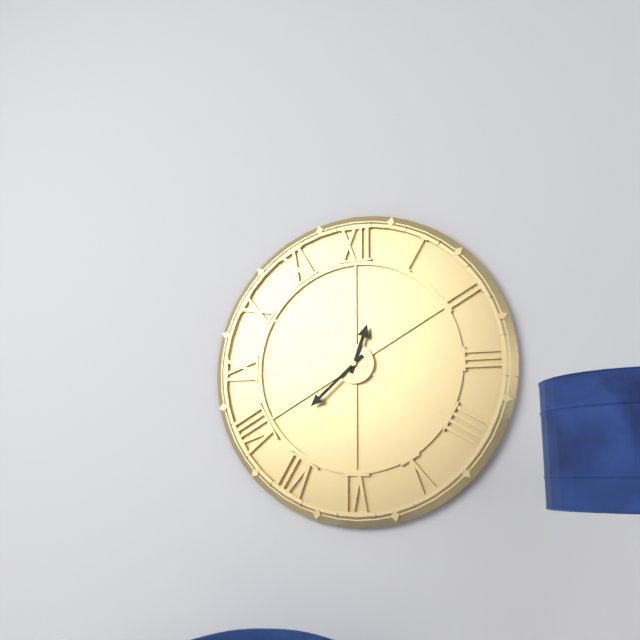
12:38
